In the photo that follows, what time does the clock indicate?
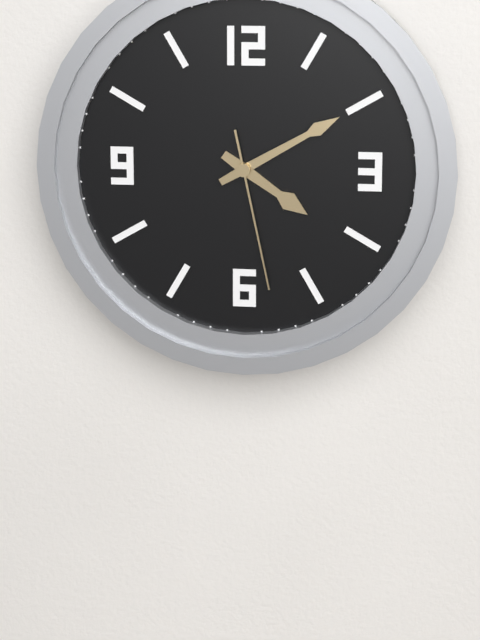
4:10:28
